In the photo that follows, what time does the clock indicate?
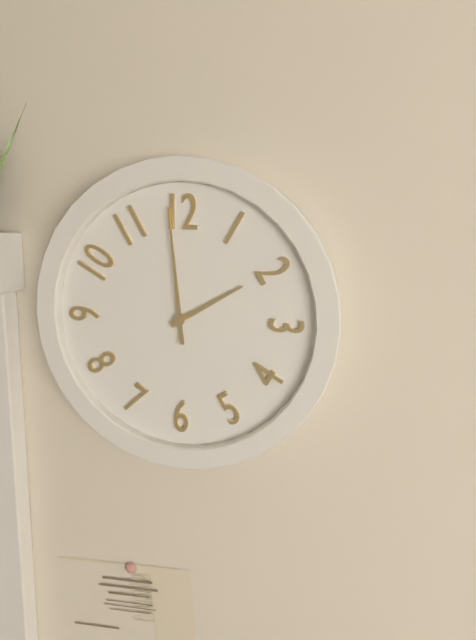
1:59
